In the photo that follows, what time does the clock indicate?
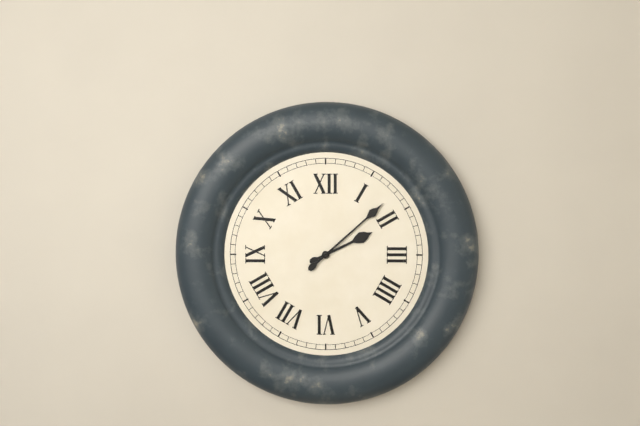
2:08
